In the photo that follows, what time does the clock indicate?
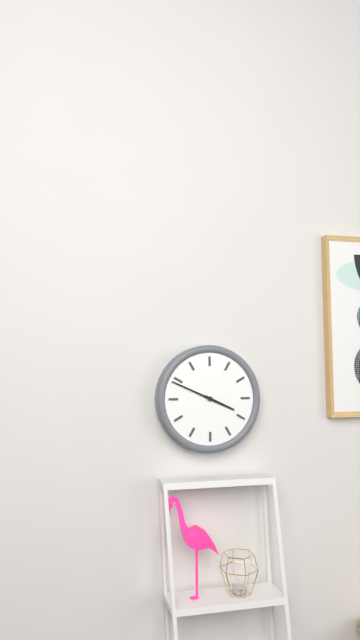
3:49
